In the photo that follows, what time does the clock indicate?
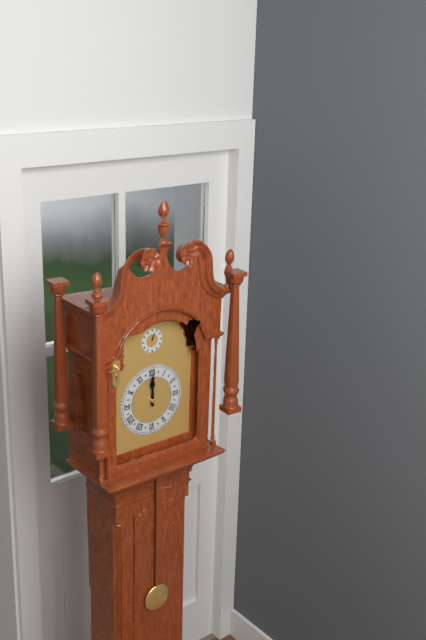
12:00
